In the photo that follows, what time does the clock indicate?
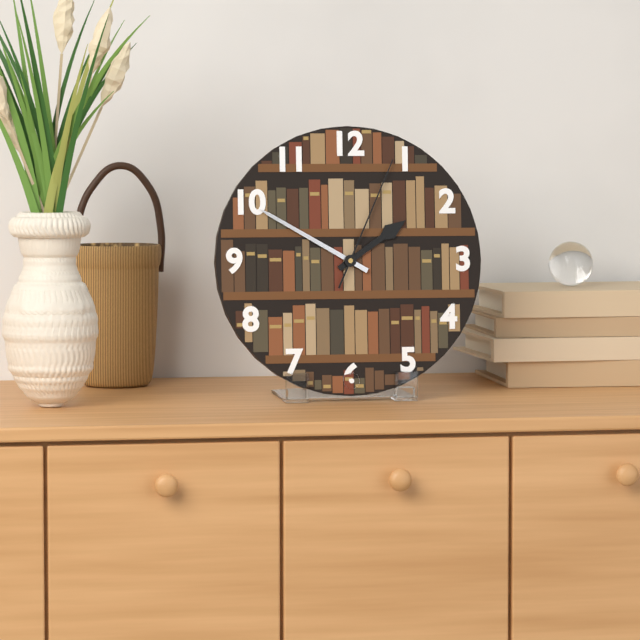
1:50:04
